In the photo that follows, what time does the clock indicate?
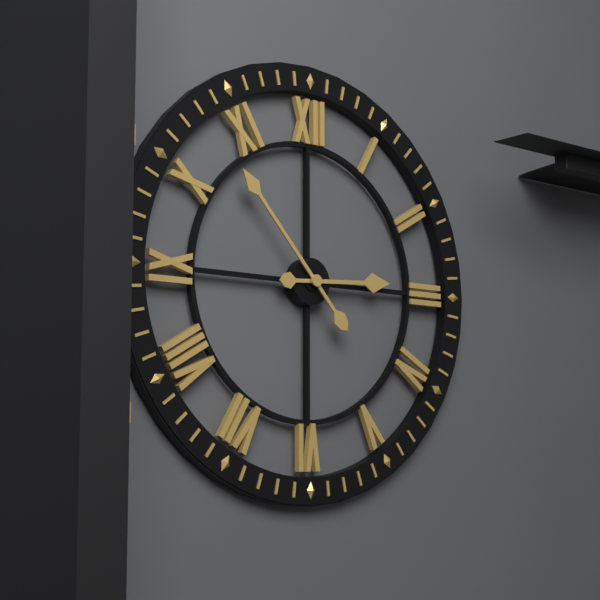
2:53
